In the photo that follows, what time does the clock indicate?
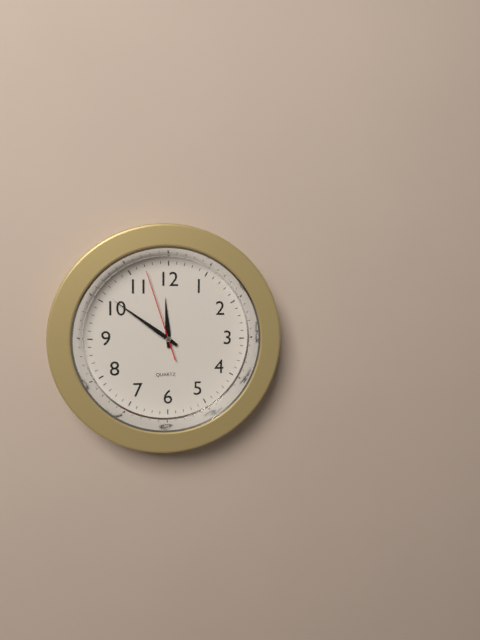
11:51:57
